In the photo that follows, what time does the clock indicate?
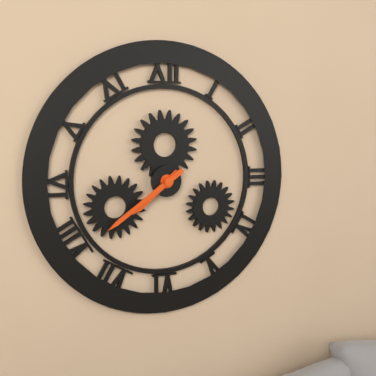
7:39
